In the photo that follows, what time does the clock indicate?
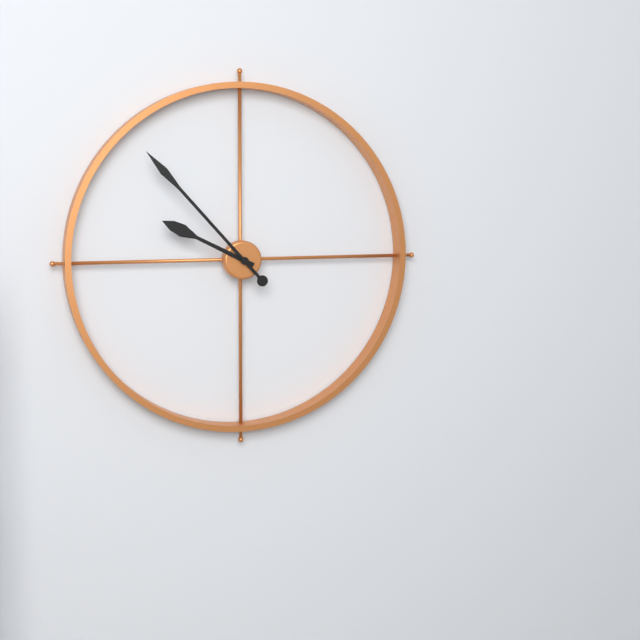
9:53
